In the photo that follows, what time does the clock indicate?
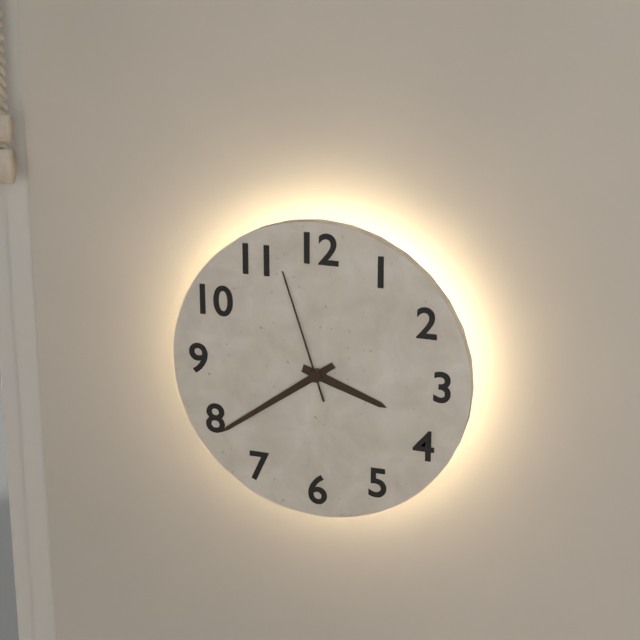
3:39:57
